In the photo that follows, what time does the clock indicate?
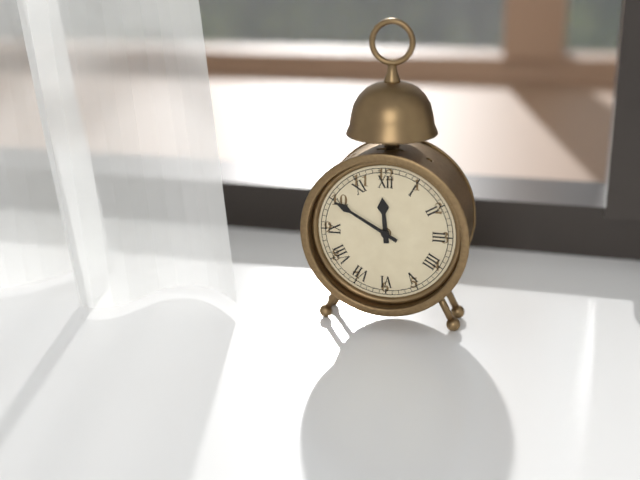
11:50
